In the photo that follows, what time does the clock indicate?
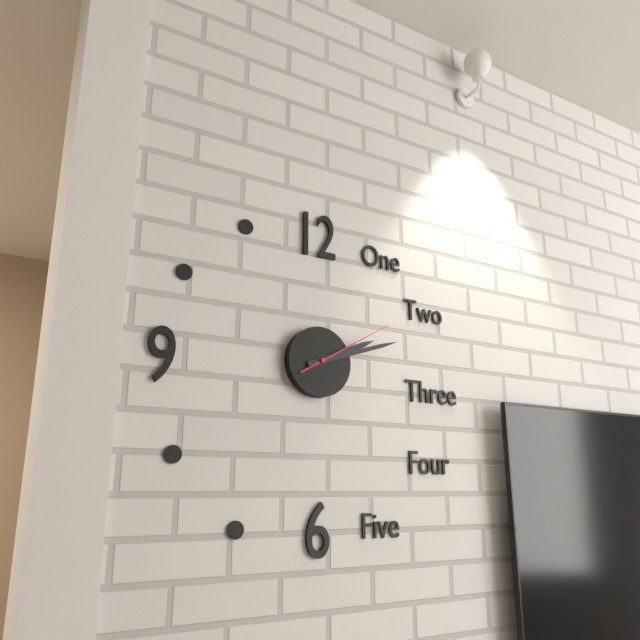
2:12:10
